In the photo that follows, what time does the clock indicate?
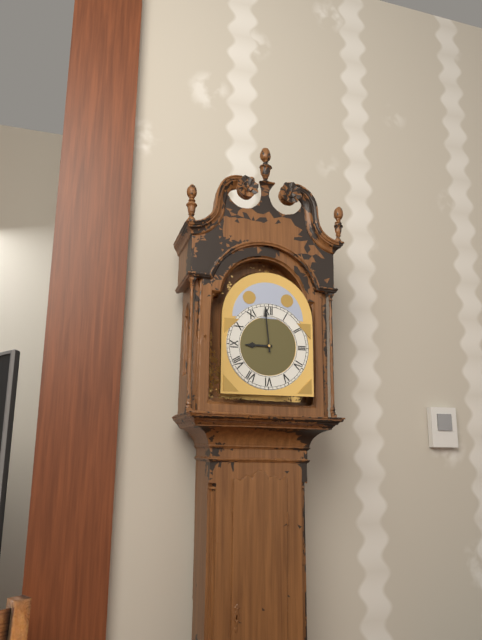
8:59
